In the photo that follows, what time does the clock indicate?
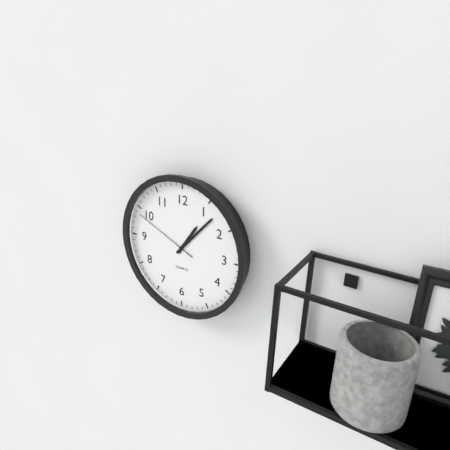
1:07:49
